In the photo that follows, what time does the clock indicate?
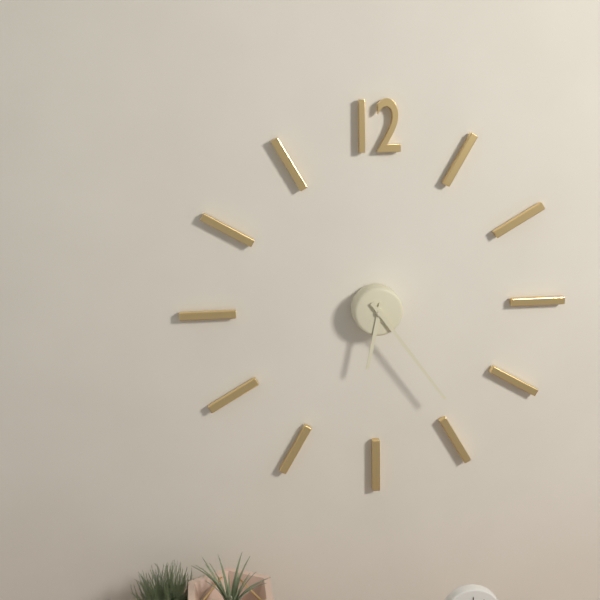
6:24
